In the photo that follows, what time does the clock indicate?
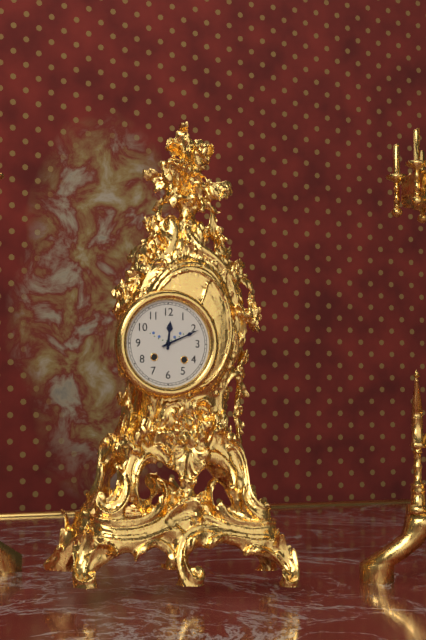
12:11
